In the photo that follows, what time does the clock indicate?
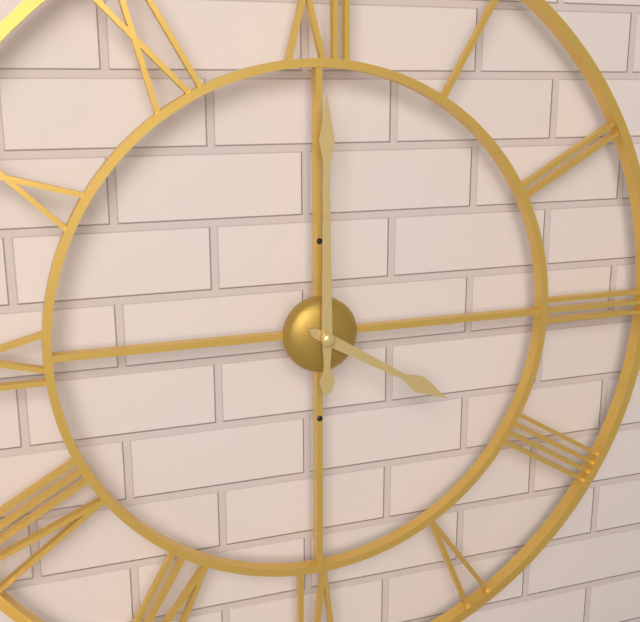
4:00
